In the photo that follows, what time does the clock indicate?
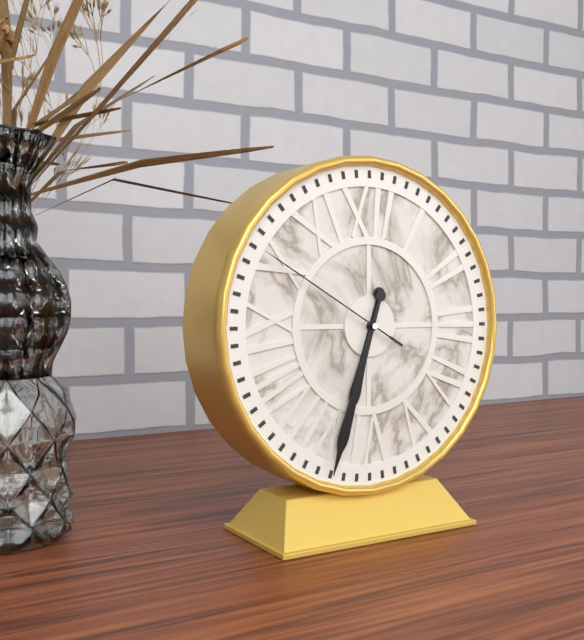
6:33:50
